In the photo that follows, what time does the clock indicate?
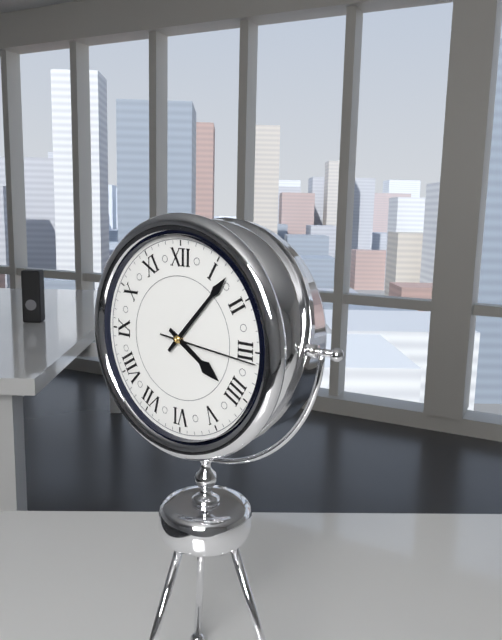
4:07:16
